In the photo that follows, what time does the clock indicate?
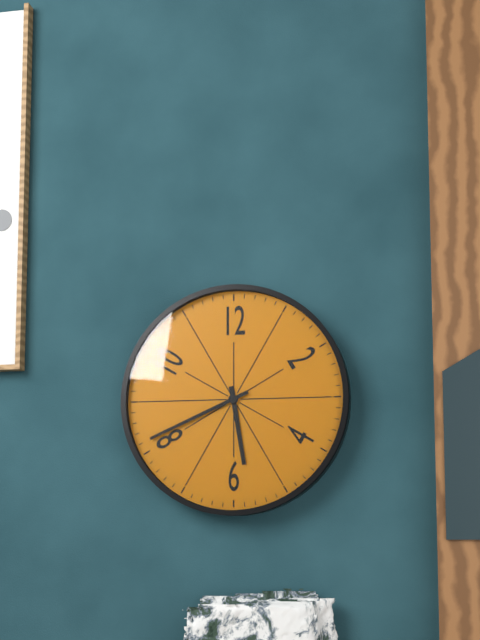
5:41
